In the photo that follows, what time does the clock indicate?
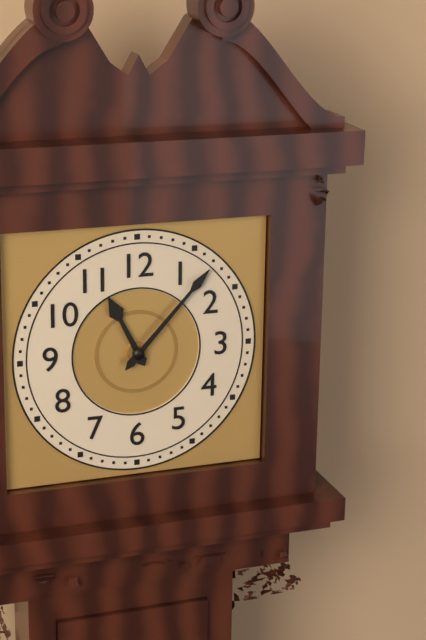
11:07
